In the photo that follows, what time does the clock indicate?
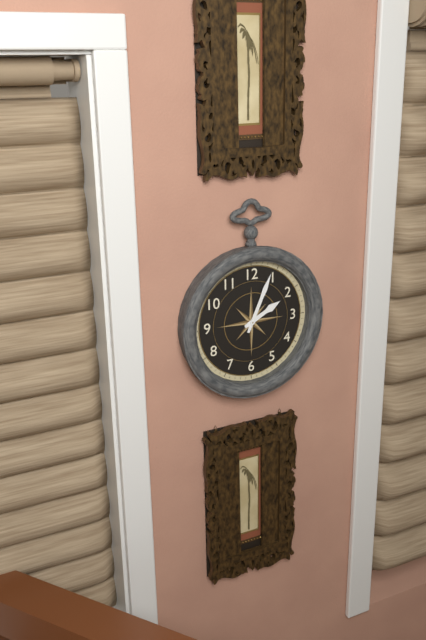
2:04
